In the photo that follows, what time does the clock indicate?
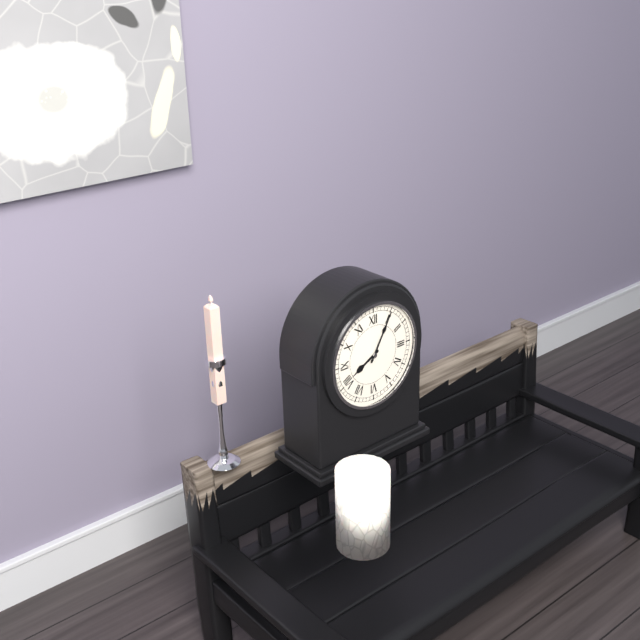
8:05
